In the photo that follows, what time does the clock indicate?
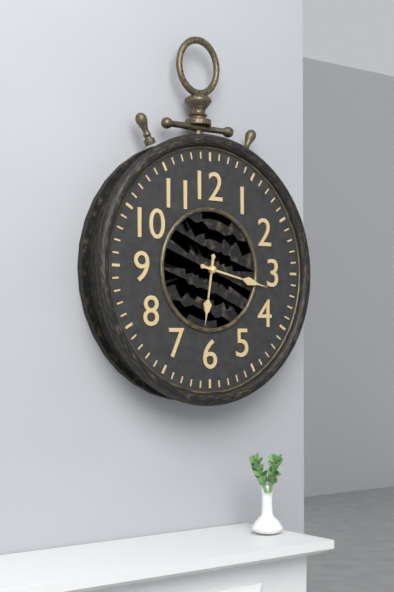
6:17
